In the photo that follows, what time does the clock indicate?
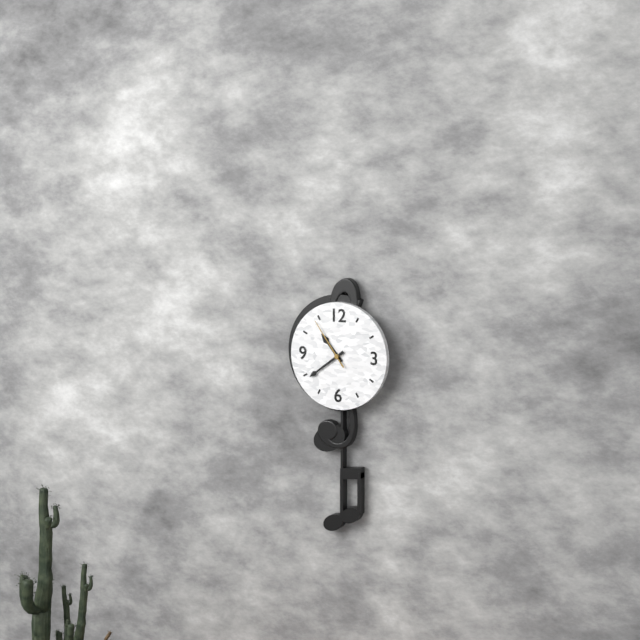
10:39:54
